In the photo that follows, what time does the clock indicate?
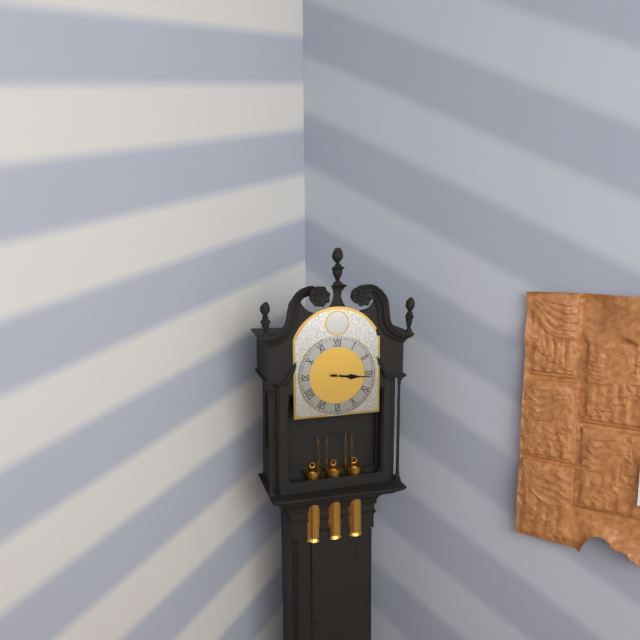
3:16
